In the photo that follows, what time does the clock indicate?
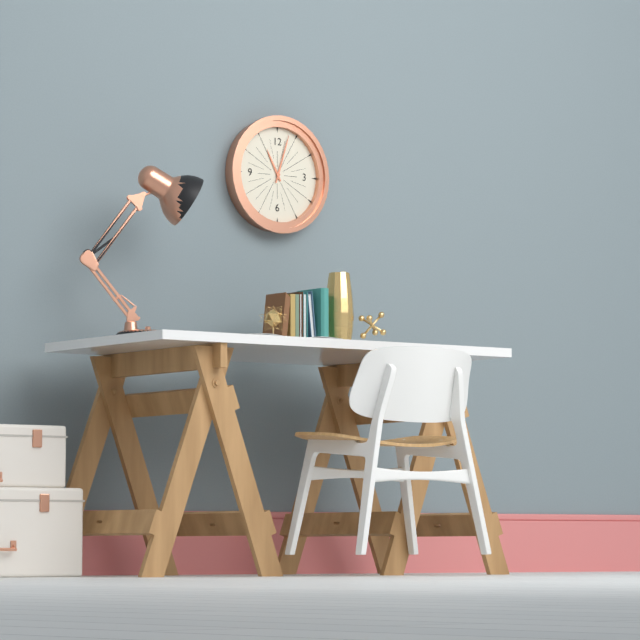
11:03
